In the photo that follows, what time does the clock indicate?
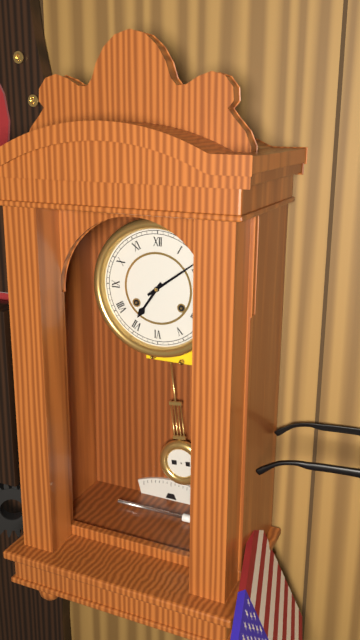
7:09
